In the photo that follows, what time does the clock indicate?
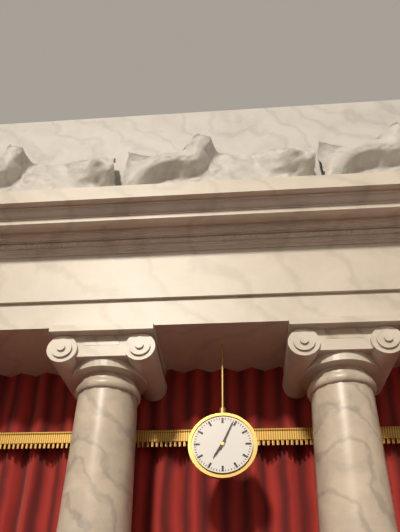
7:04
